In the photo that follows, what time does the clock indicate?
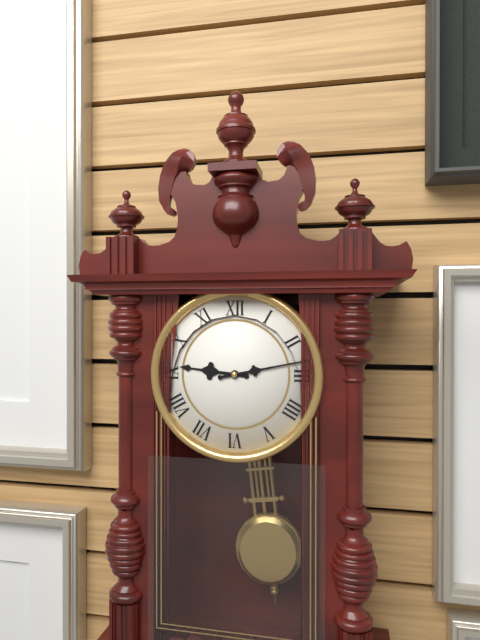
9:13
